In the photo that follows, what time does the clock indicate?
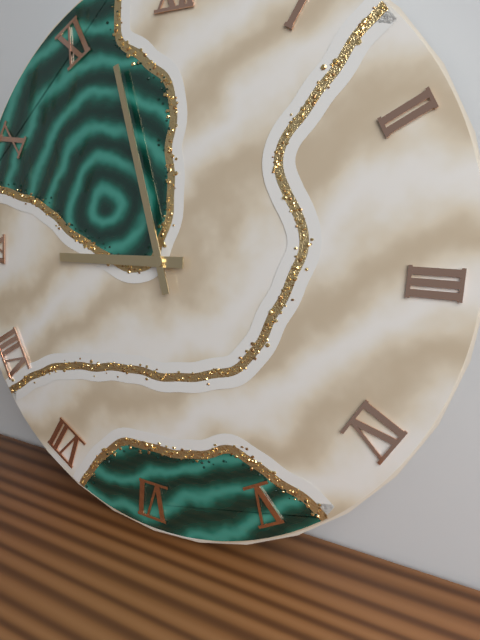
8:57
